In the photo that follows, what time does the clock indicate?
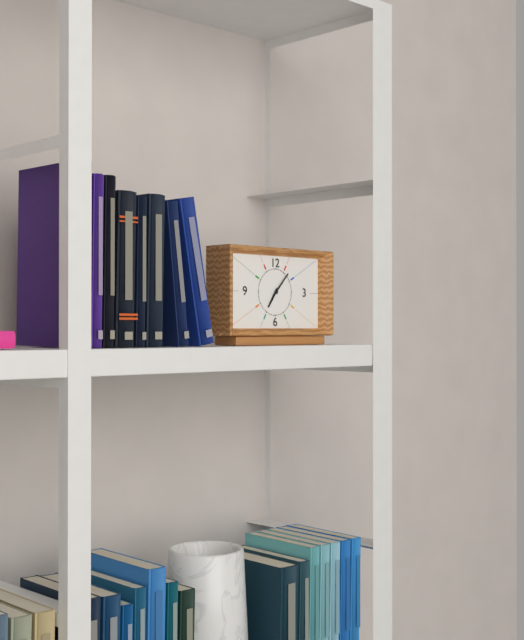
7:07
